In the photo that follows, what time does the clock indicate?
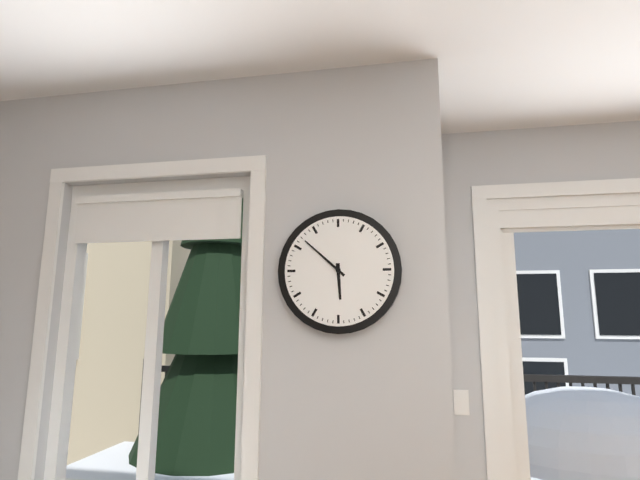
5:52
